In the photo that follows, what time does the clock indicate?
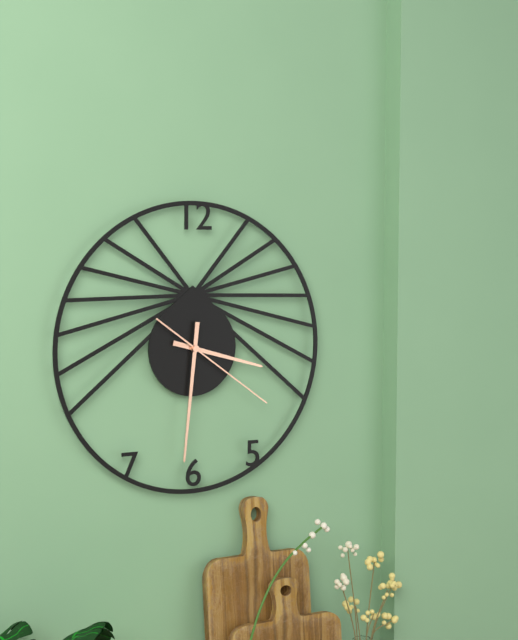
3:31:21
